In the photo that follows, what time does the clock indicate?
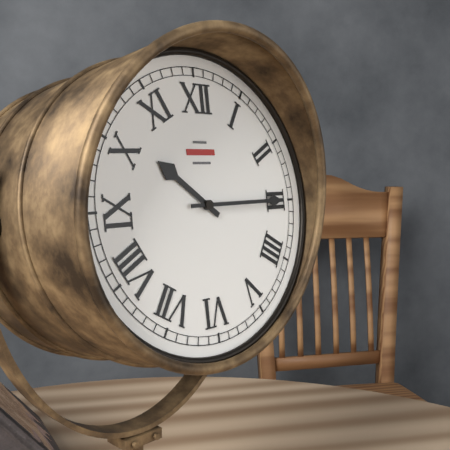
10:15
